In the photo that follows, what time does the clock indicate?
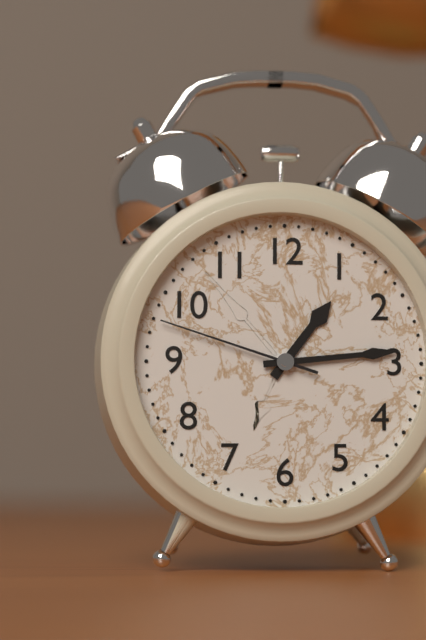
1:14:48
